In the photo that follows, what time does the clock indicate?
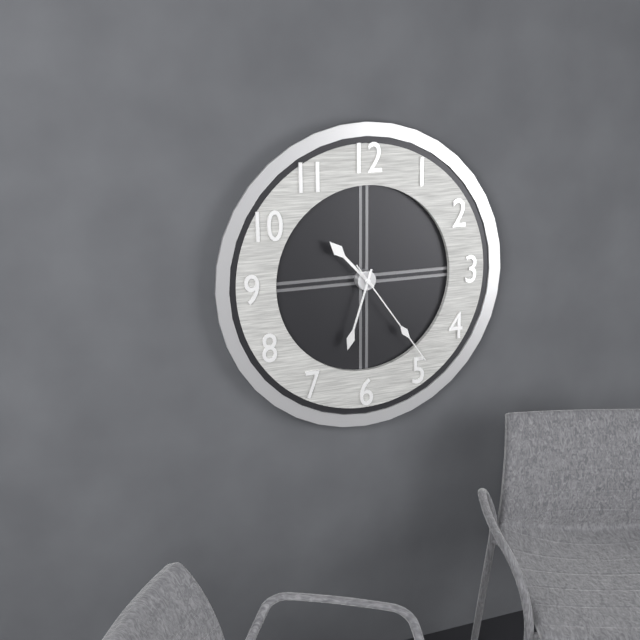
10:33:24
